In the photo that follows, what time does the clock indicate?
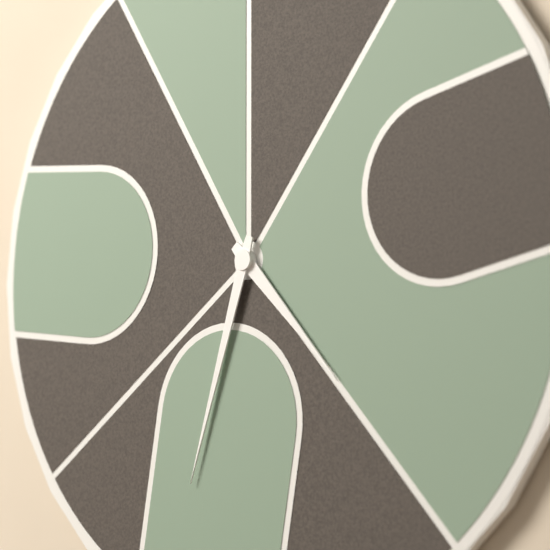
4:33
